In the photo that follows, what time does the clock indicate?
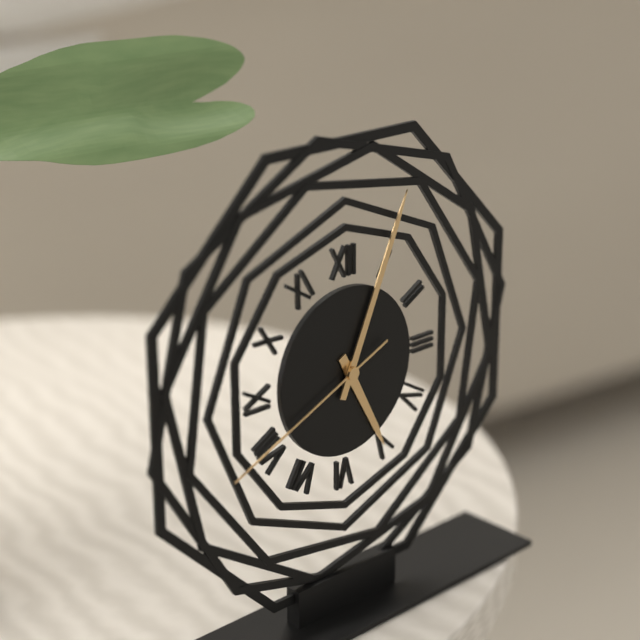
5:04:41
